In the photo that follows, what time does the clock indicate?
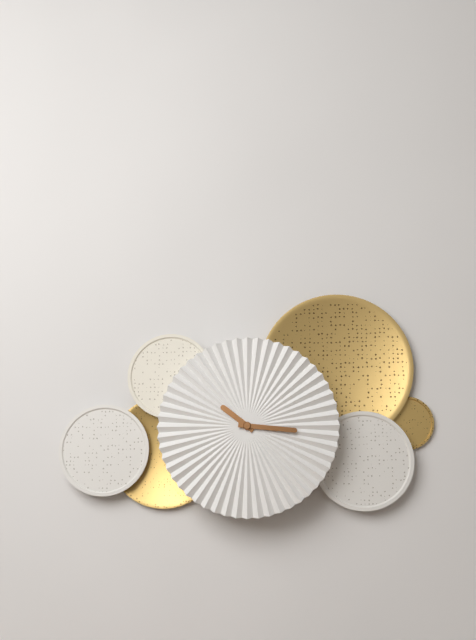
10:16
